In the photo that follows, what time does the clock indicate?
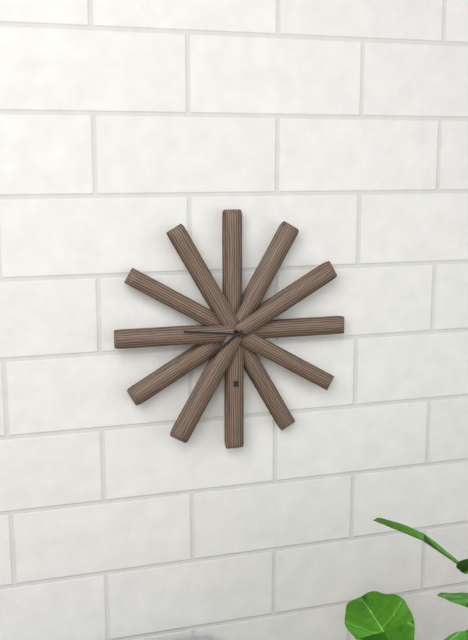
7:46
